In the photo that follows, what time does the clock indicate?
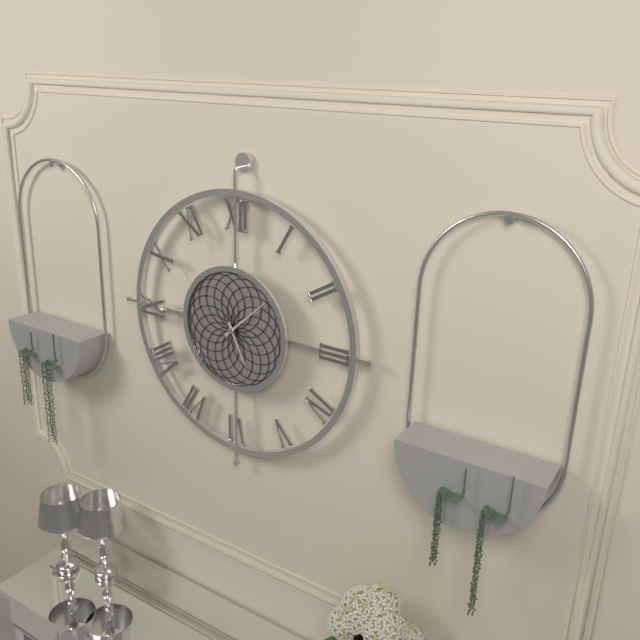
5:08
